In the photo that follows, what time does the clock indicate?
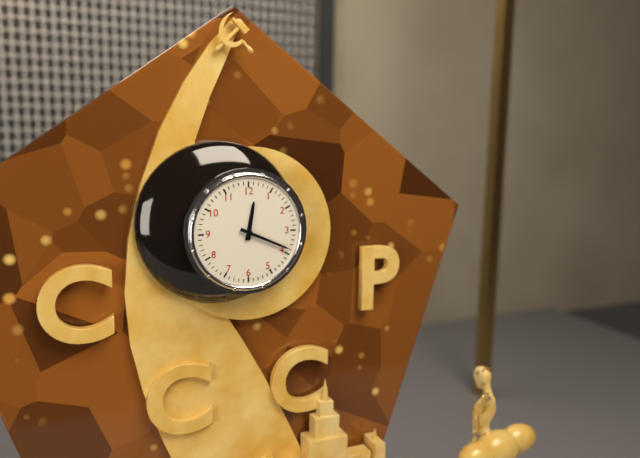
12:19
